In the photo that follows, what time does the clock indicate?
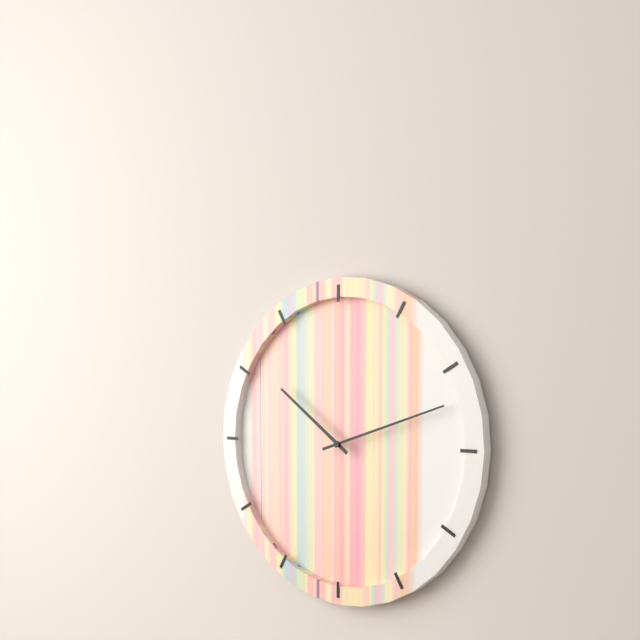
10:12
